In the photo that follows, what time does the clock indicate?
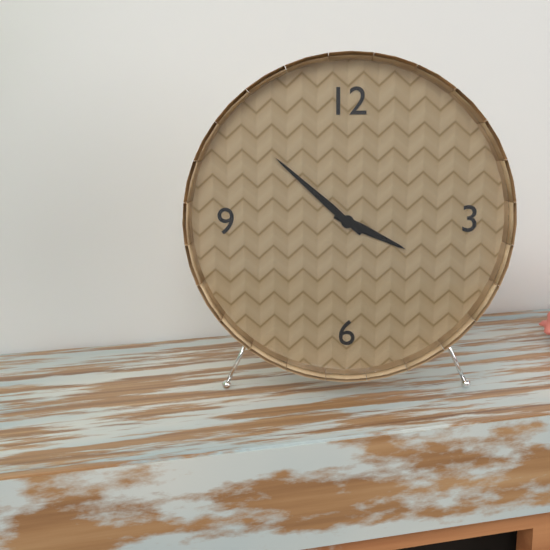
3:52
